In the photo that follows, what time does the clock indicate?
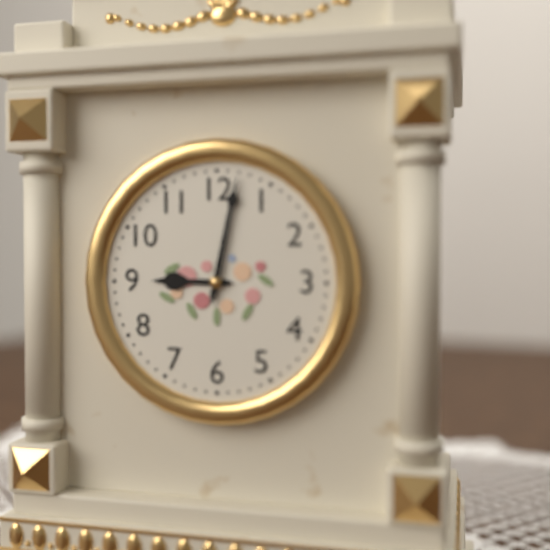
9:02
